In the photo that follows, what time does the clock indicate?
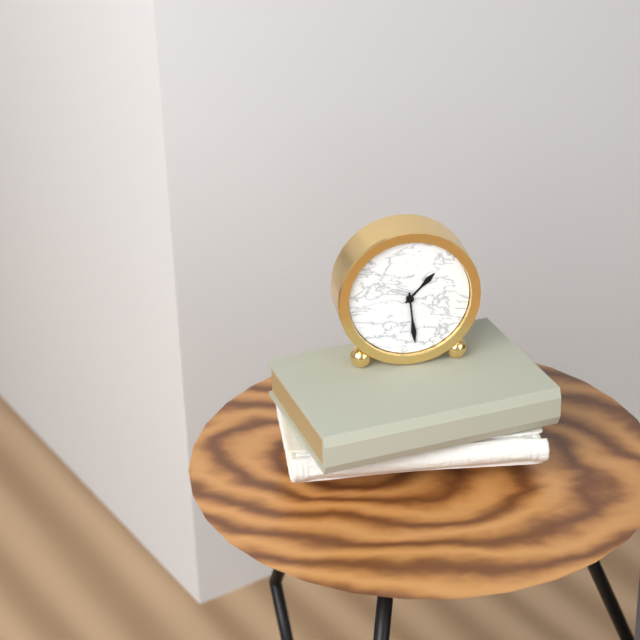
1:29
